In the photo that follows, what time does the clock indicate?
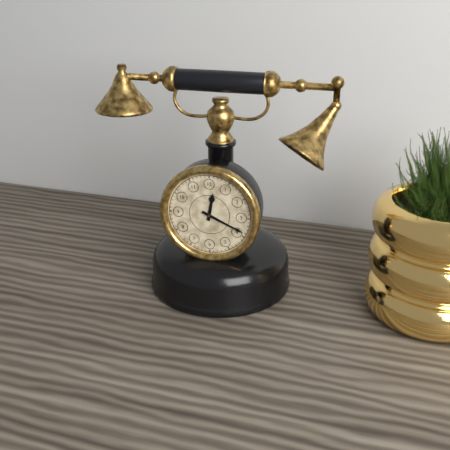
12:19
